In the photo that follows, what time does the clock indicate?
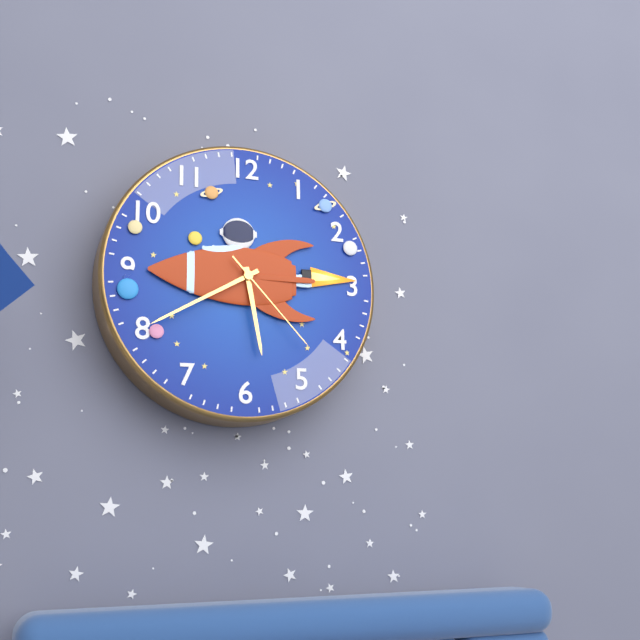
5:40:23
